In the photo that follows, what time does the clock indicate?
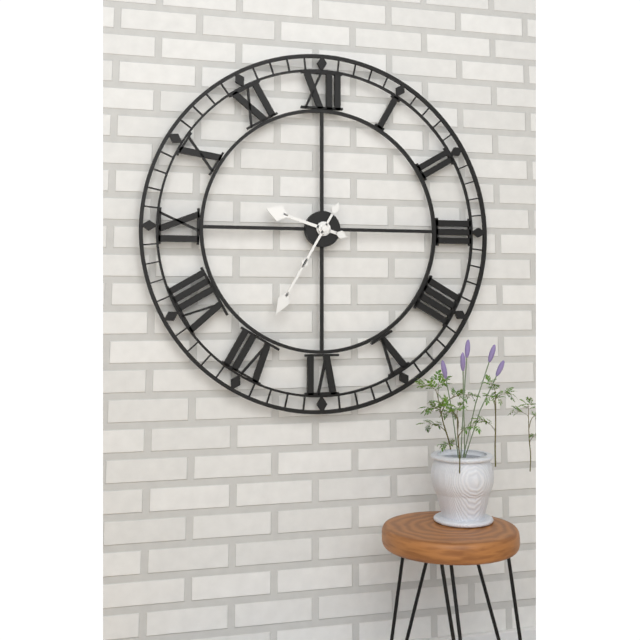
9:35
